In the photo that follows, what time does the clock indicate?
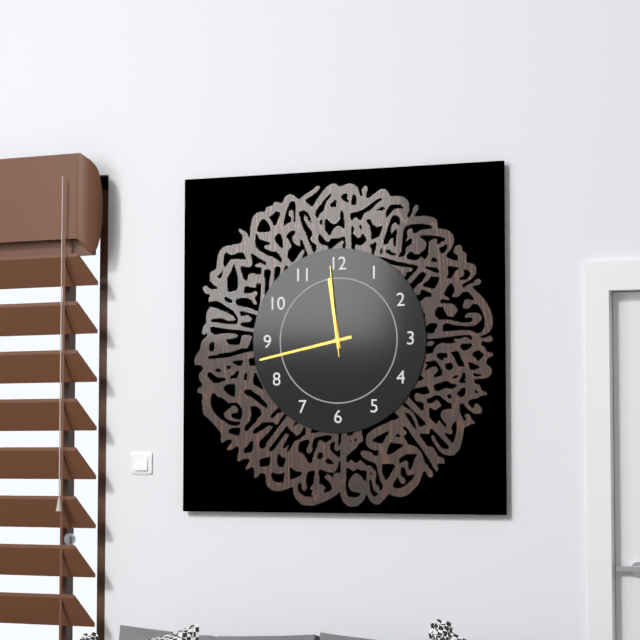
11:43:59
